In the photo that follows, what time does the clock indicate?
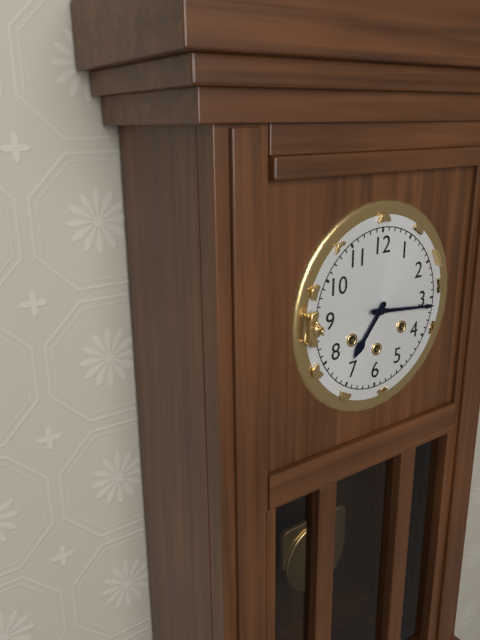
7:16
